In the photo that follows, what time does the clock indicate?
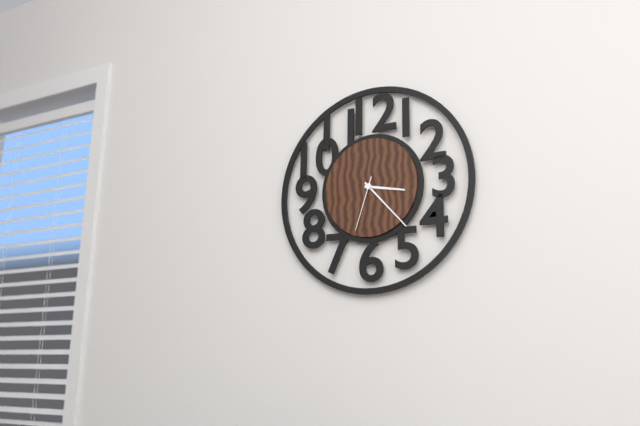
3:23:33
